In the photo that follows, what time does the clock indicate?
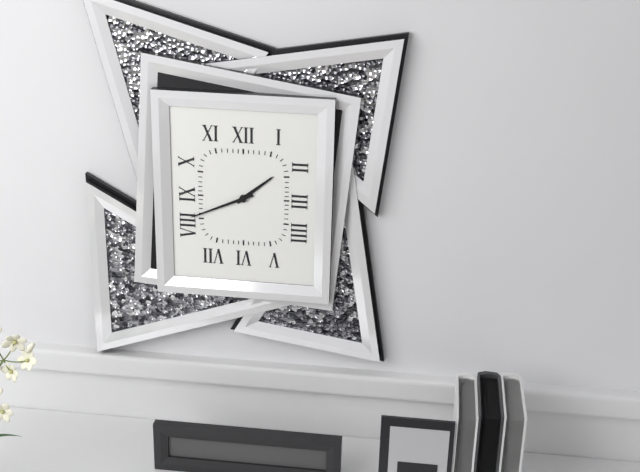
1:41
